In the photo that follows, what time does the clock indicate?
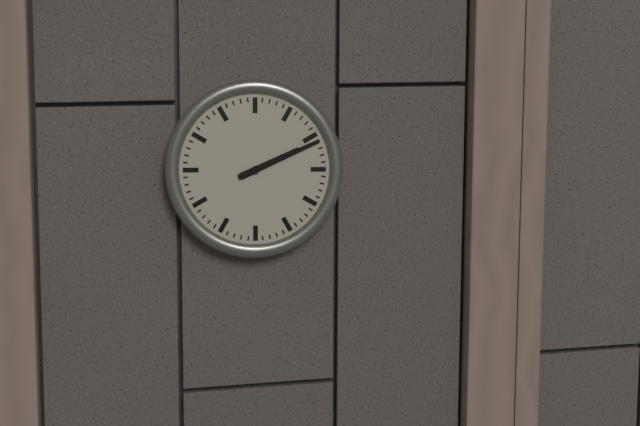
2:11
